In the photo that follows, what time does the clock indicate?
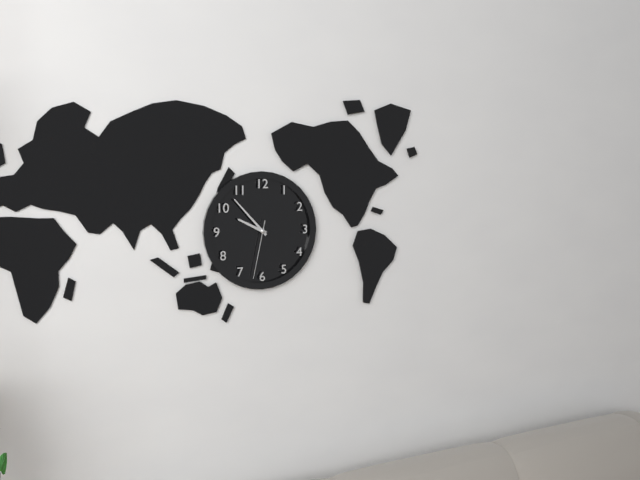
9:53:32
